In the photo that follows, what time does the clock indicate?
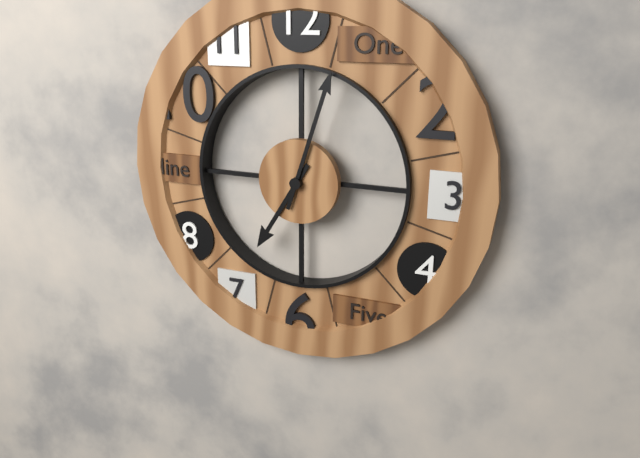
7:03
